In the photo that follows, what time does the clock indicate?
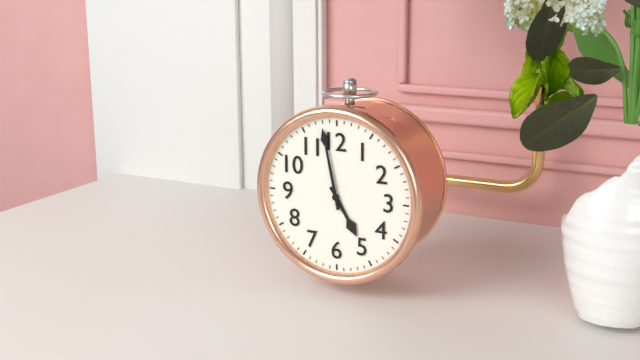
4:58
